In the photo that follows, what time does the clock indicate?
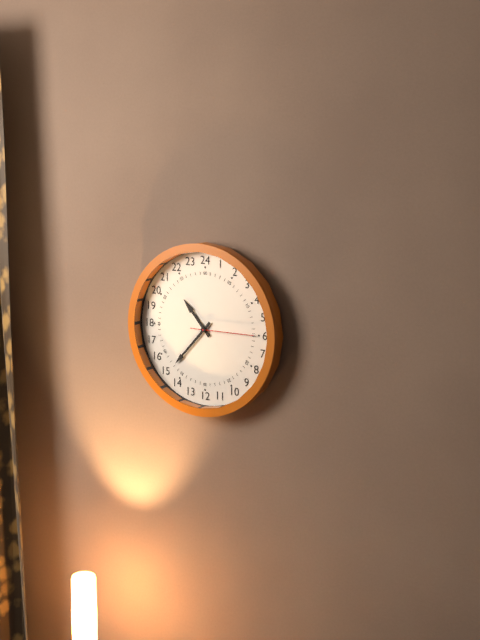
10:37:15
